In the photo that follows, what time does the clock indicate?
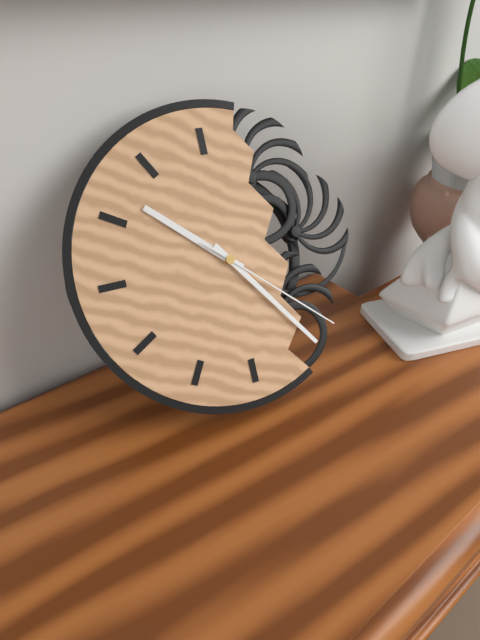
10:24:22
